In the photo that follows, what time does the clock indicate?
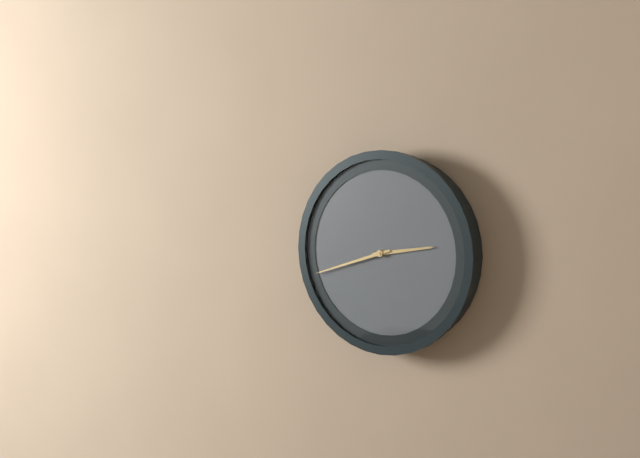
2:42
